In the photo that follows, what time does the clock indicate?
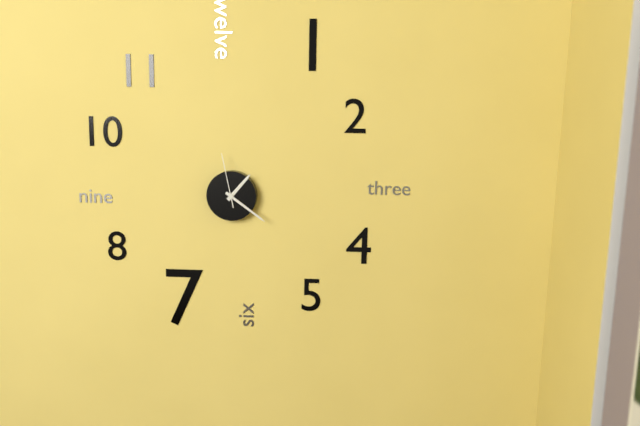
1:21:58
